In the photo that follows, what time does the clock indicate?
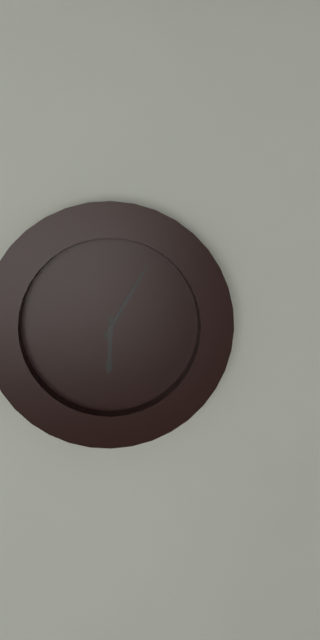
6:05
